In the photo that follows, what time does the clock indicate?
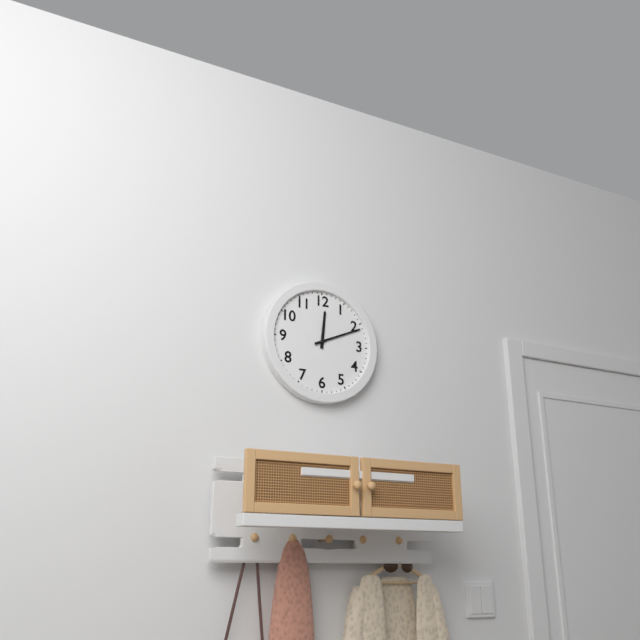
12:11
